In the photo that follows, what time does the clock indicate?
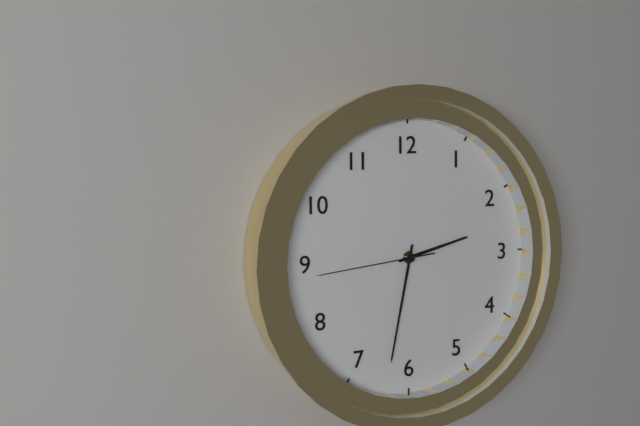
2:32:44
